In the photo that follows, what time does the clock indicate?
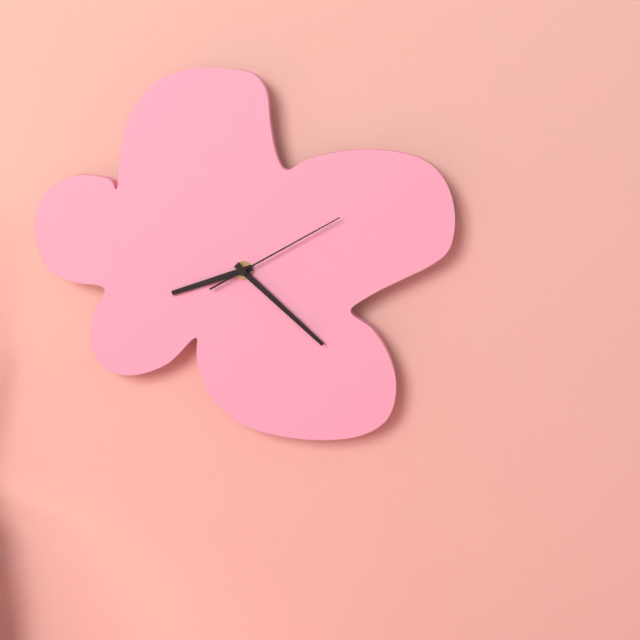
8:22:10
